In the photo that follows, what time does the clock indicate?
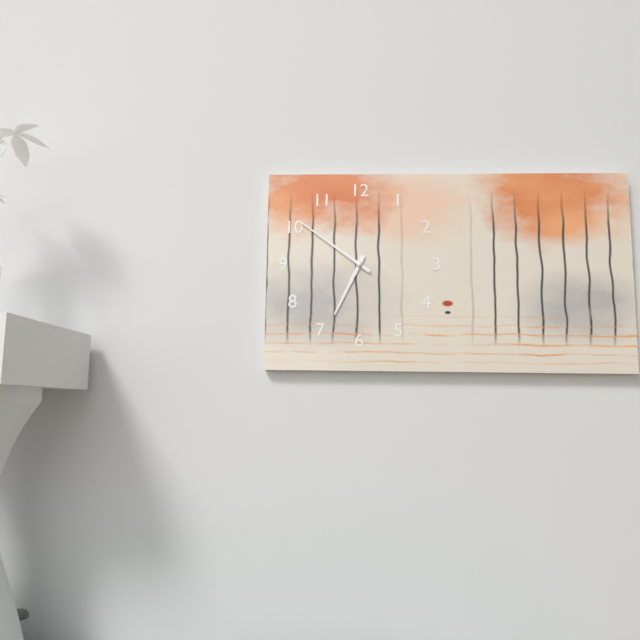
6:51
